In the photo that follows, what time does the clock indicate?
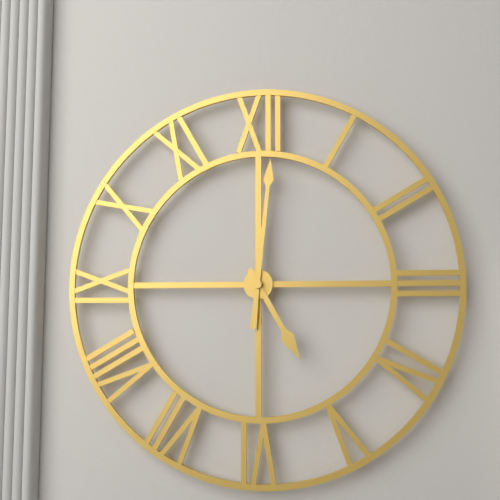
5:01
